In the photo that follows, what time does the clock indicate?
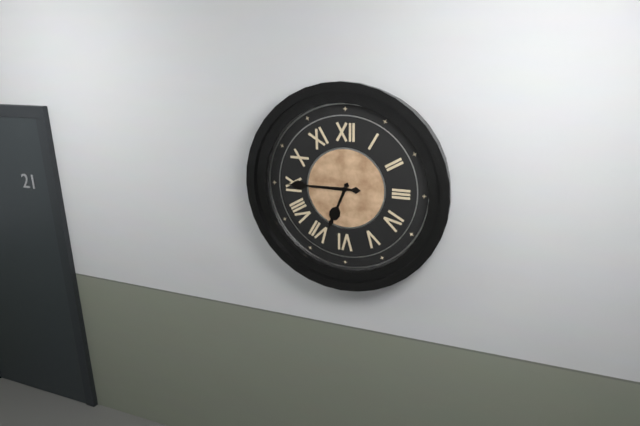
6:45
